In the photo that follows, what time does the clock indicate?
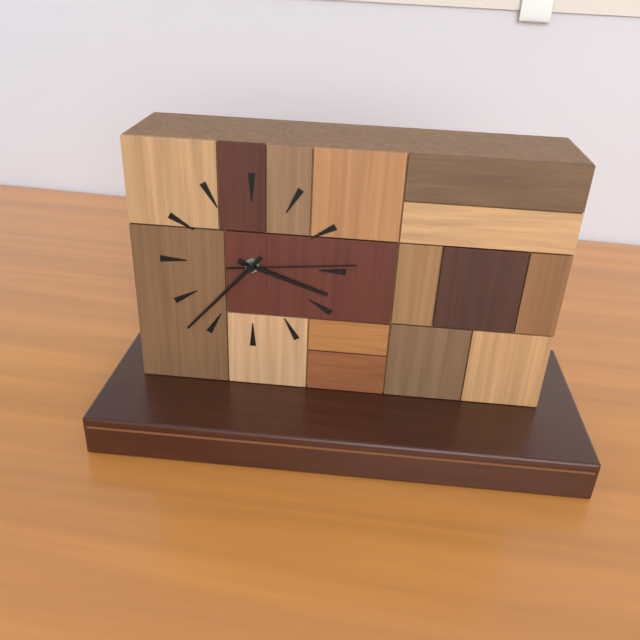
3:37:14
